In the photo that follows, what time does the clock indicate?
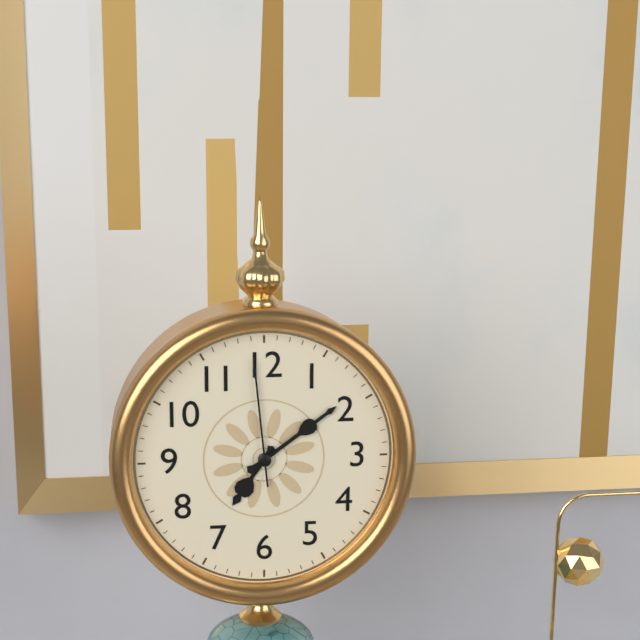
7:09:59
